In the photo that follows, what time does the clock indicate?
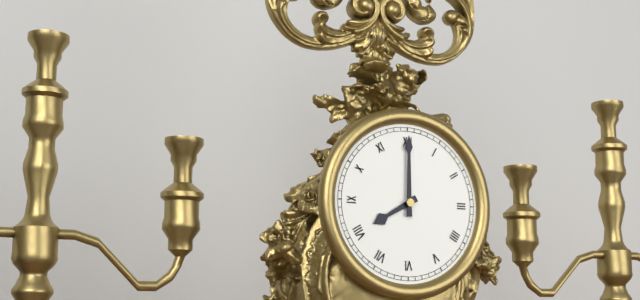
8:00
